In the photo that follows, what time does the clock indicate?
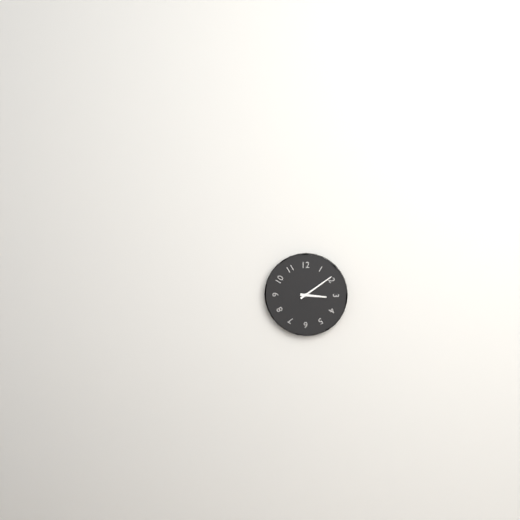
3:09
